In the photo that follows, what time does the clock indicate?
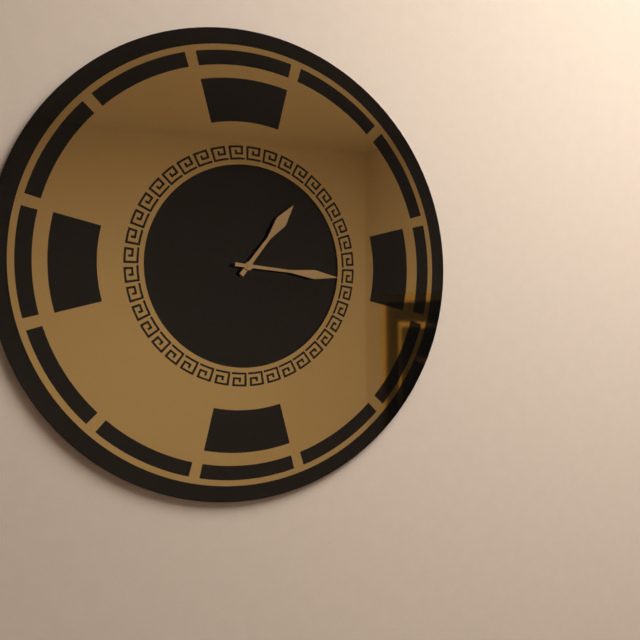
1:16
